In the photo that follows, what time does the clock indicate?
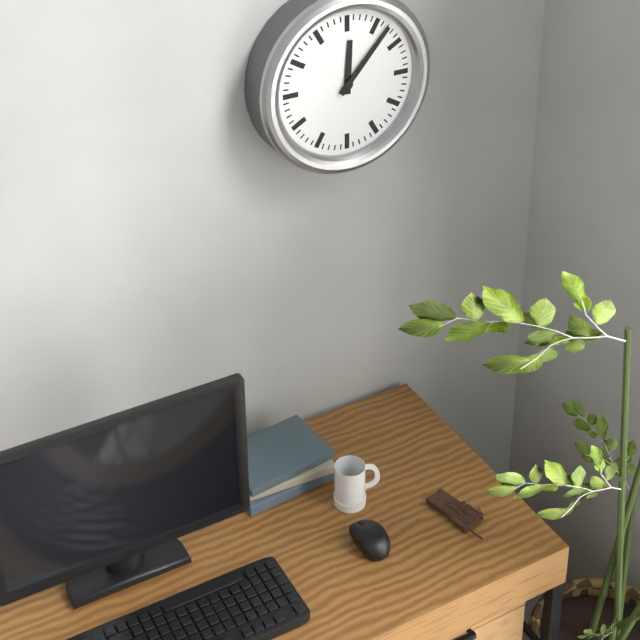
12:07
